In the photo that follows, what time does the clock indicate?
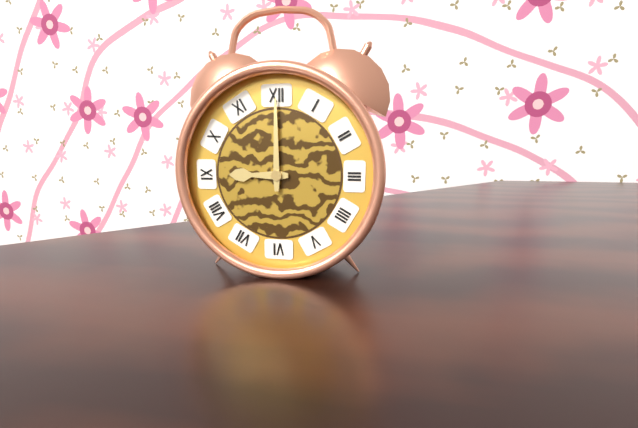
9:00
